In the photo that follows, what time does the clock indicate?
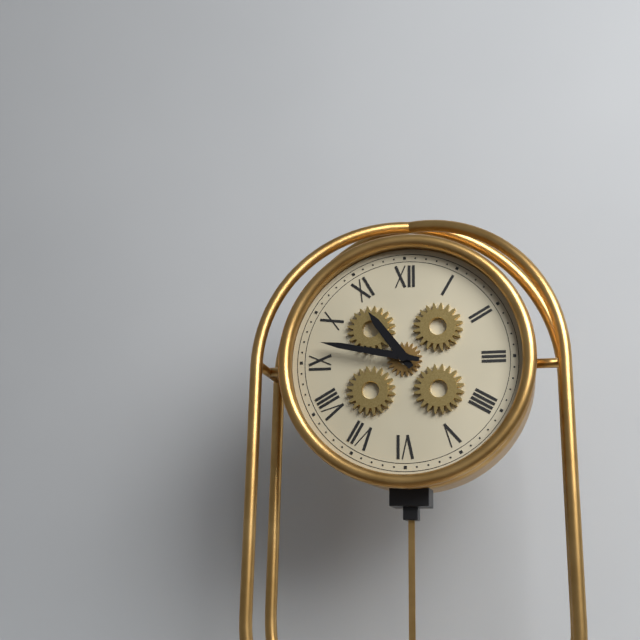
10:47
